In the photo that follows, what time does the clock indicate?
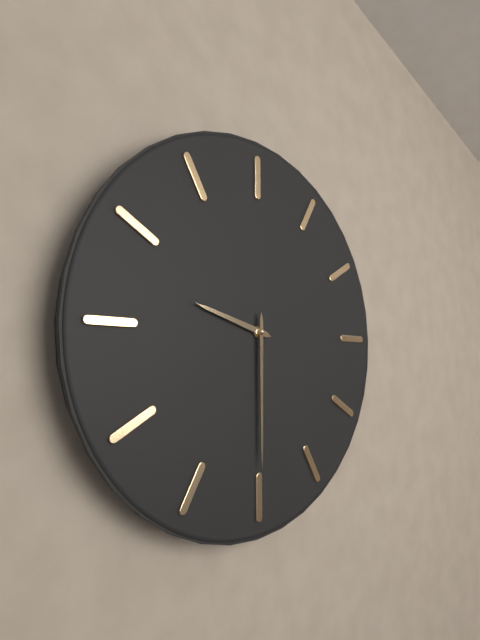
9:30
